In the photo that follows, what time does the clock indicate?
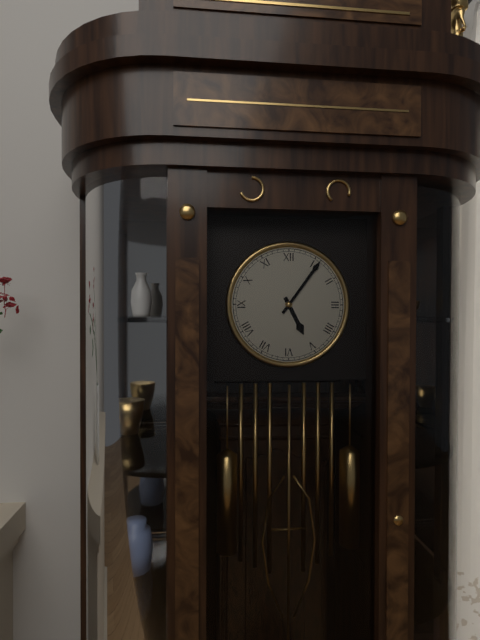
5:06
